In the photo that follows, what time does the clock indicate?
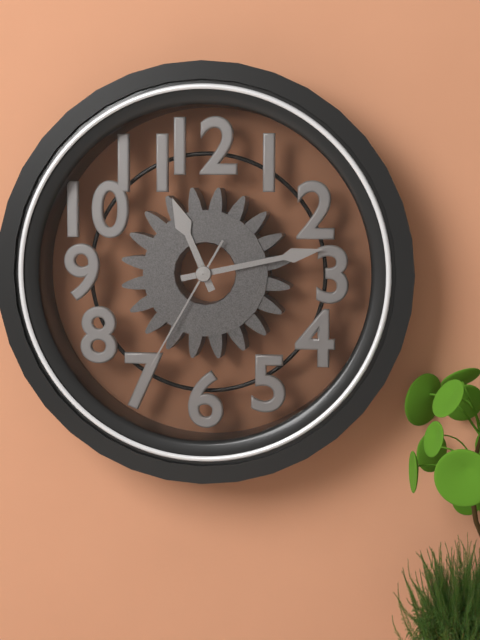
11:13:35
